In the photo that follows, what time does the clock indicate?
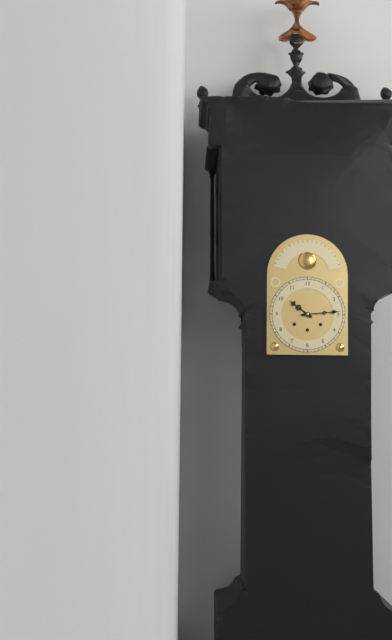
10:14
